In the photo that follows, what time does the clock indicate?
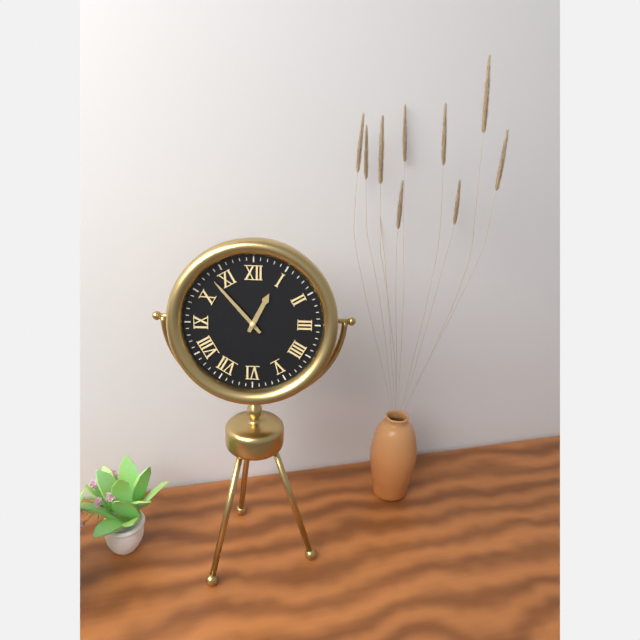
12:53
